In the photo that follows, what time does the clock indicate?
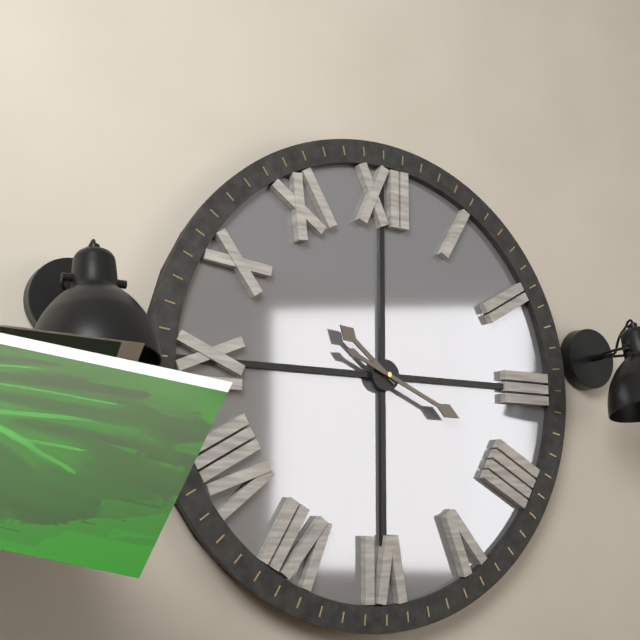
10:19
